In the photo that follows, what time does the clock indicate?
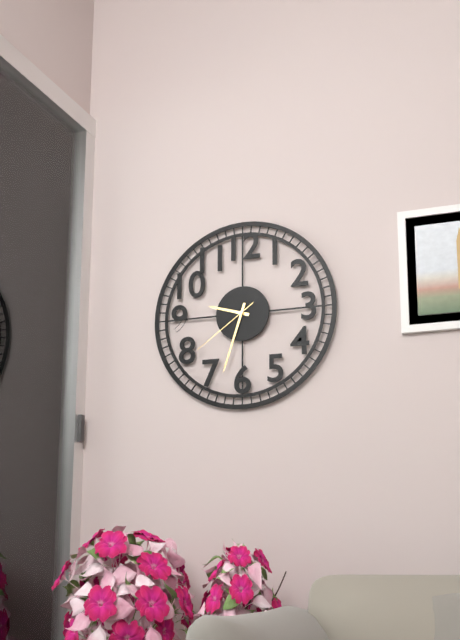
9:33:39
